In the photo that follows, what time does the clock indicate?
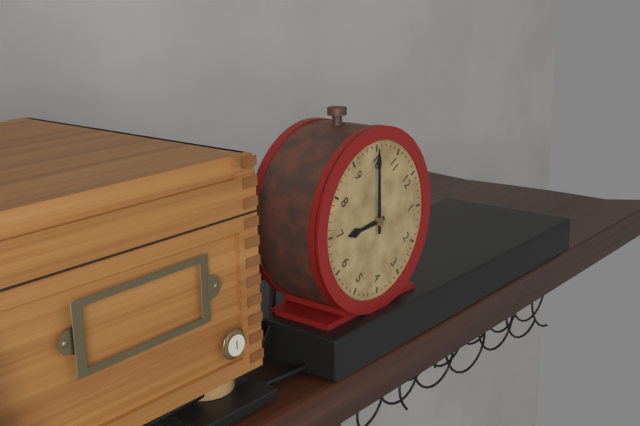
6:50
